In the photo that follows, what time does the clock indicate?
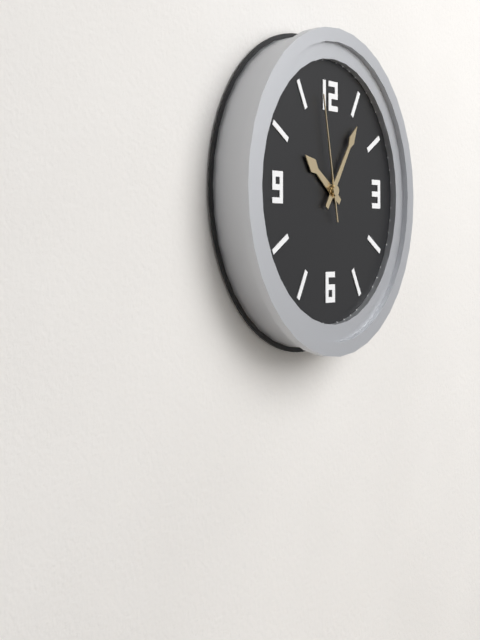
10:06:58
